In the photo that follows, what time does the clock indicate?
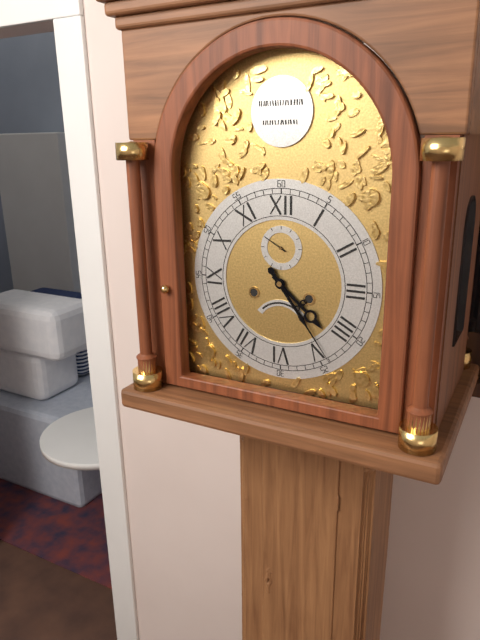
4:24
